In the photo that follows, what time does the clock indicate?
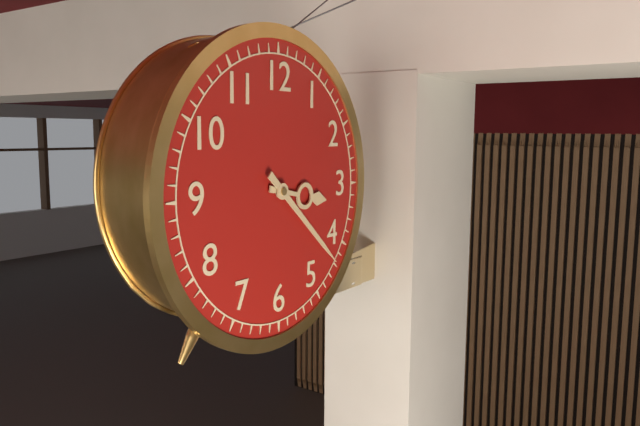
3:22
